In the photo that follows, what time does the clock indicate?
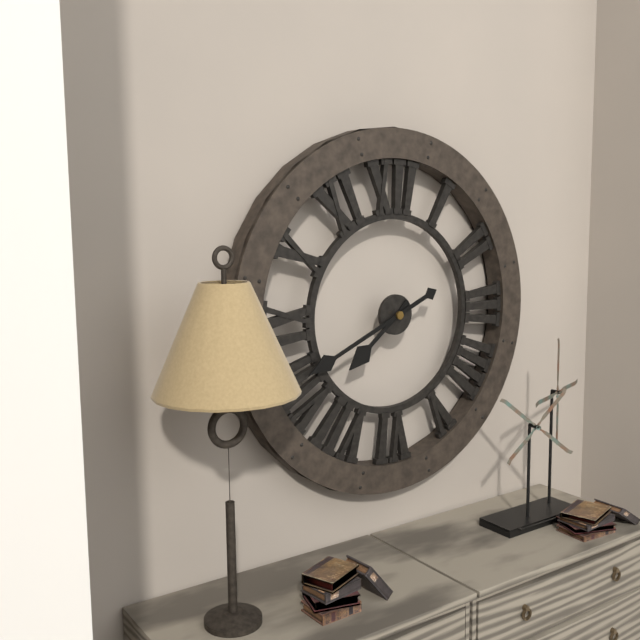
7:41
